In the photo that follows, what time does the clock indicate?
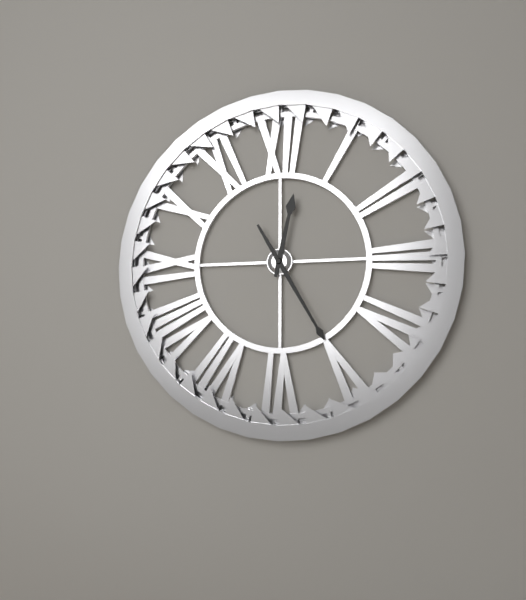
12:25
